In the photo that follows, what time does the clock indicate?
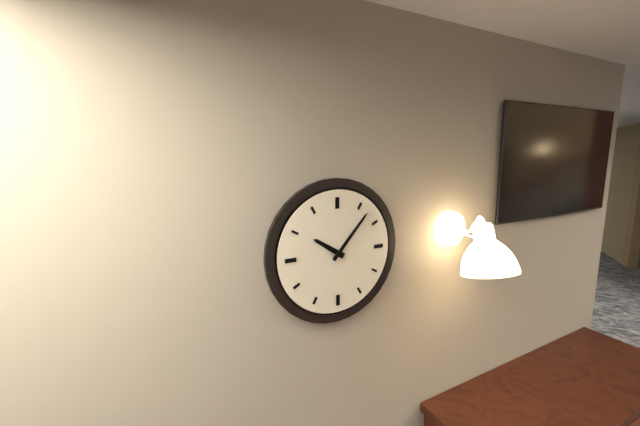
10:07
